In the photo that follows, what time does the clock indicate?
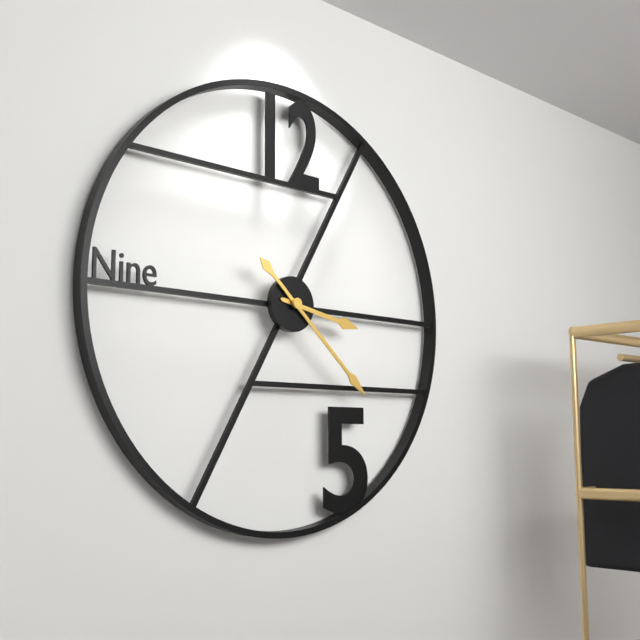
3:22
